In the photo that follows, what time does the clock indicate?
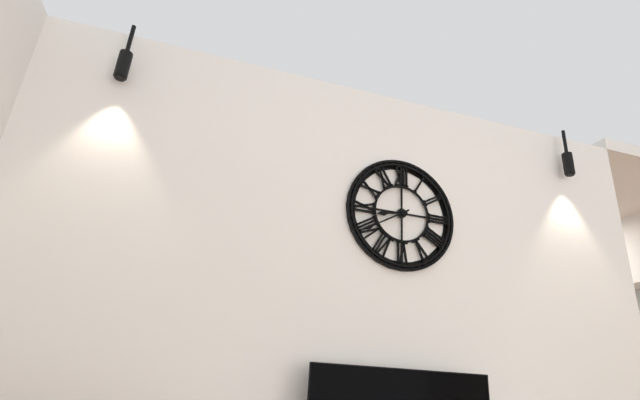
8:40
